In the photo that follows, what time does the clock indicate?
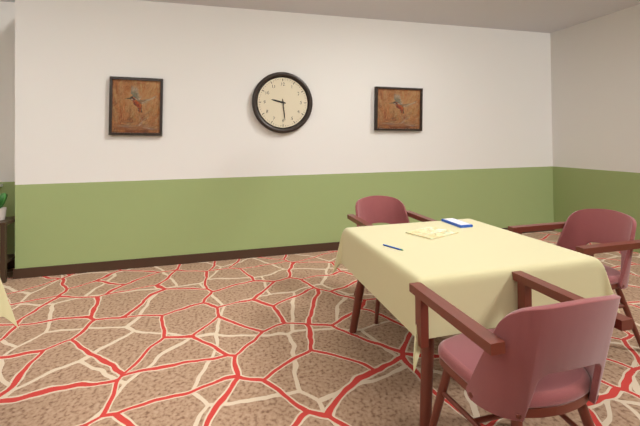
9:29
